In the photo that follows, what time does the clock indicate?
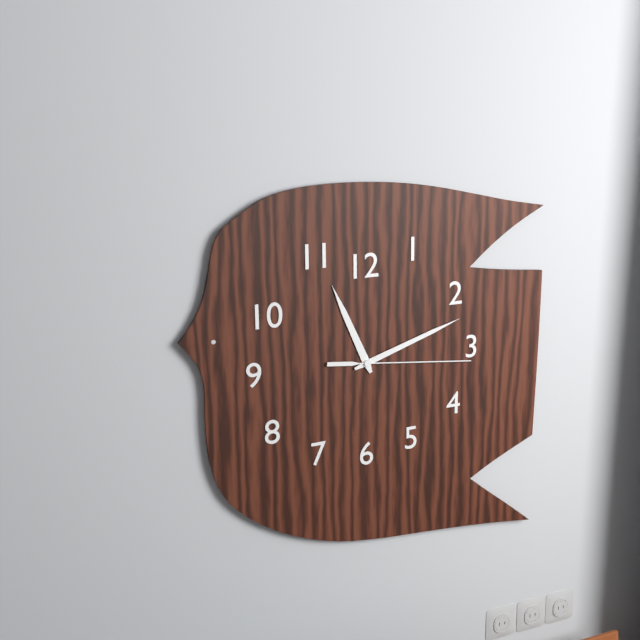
11:12:16
